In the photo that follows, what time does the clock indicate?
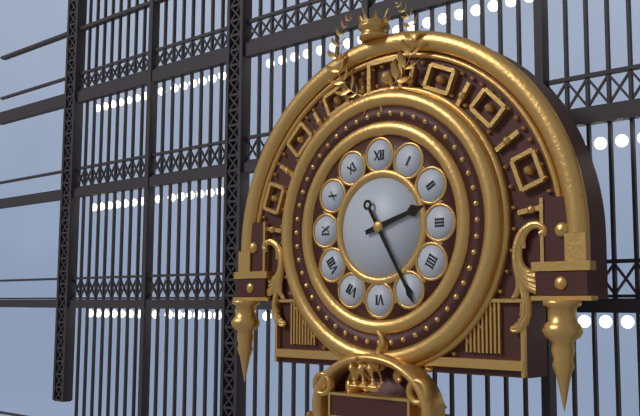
2:25
